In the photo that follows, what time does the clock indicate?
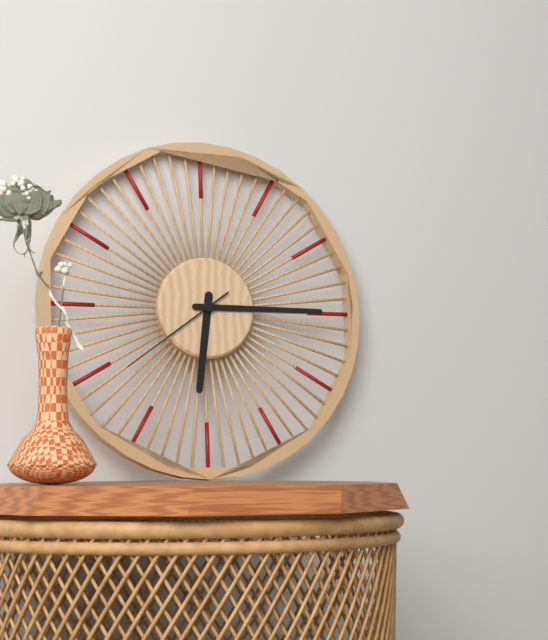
6:15:39
